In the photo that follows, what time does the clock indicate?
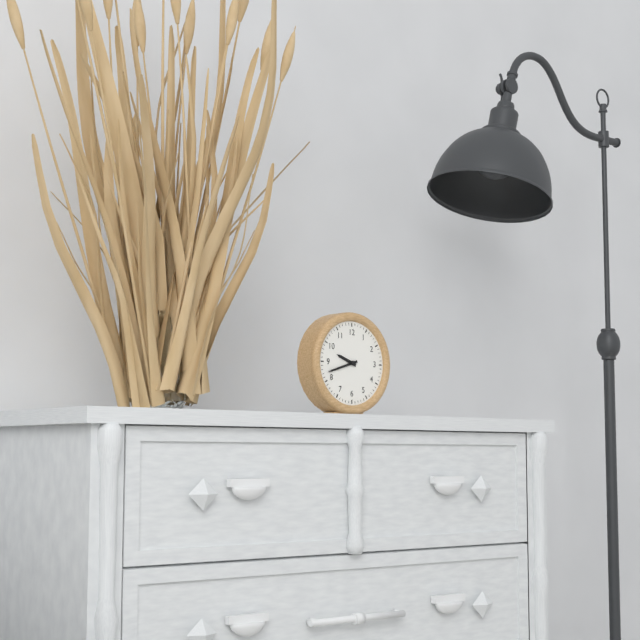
9:42
